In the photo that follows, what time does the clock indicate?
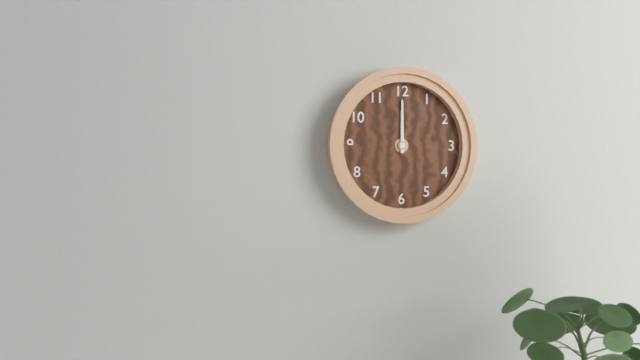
12:00
